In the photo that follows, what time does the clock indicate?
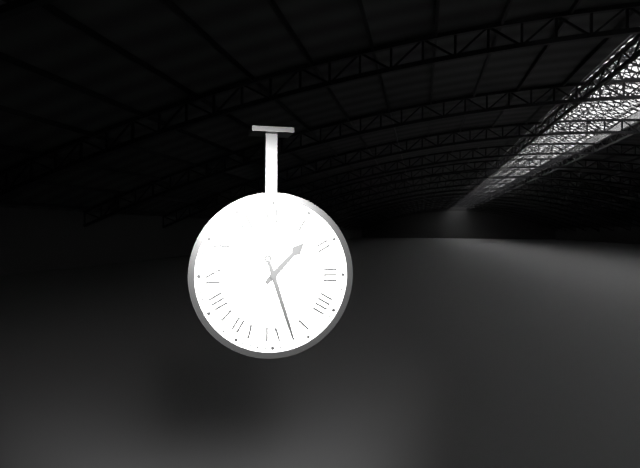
1:27
